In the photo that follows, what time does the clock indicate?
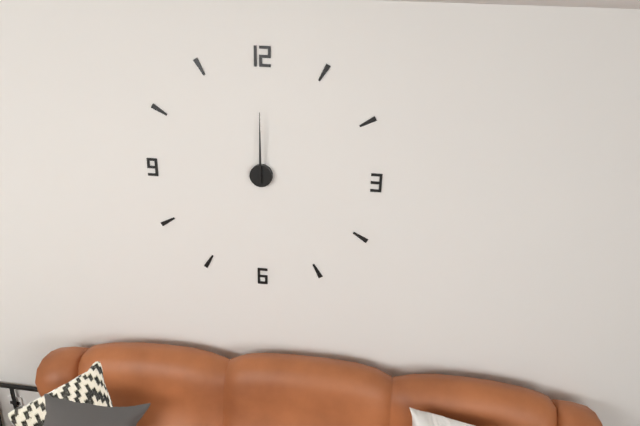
12:00
